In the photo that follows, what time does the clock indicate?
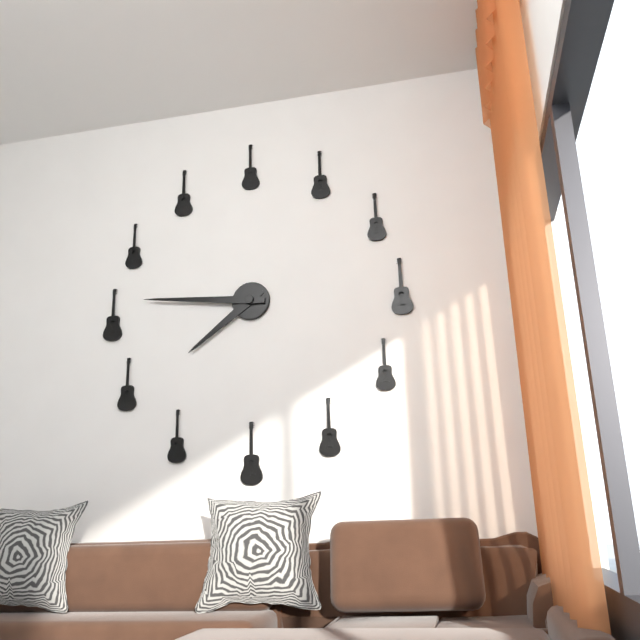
7:46
